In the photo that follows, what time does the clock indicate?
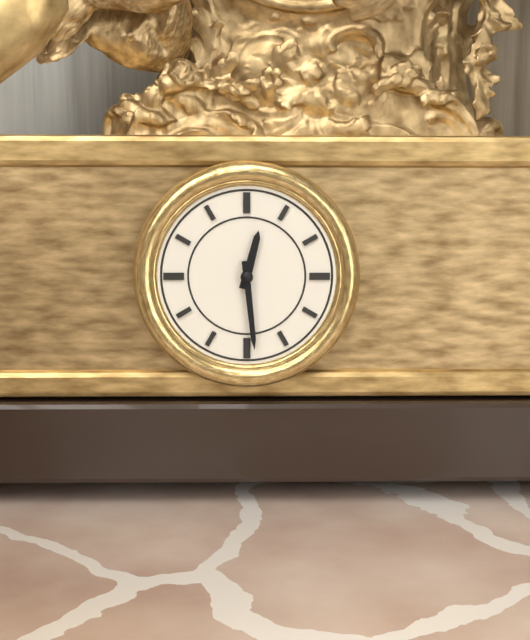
12:29
